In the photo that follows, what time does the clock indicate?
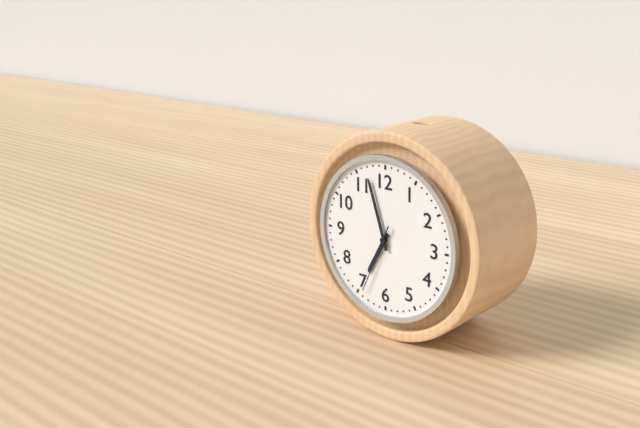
6:57:34
